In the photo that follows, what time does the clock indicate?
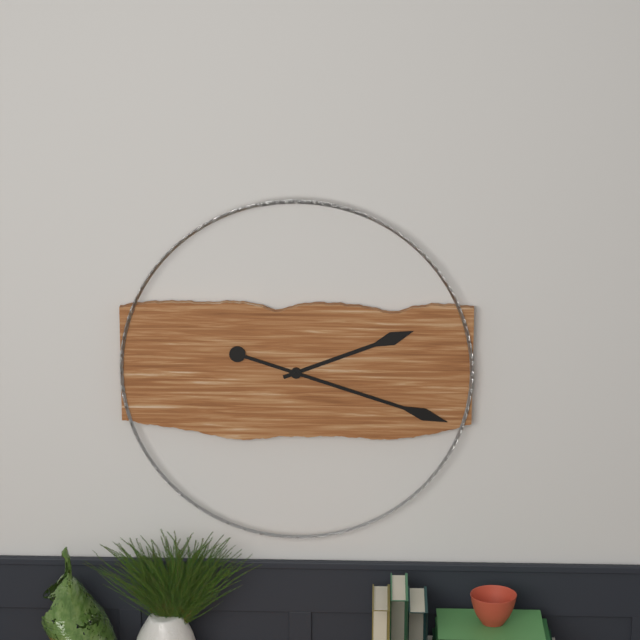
2:18
